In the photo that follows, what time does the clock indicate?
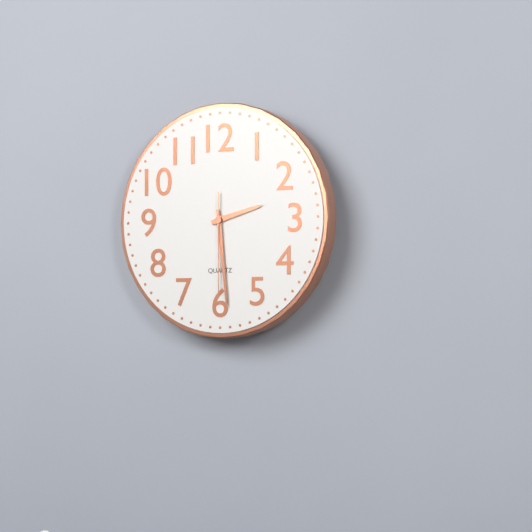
2:29:30
